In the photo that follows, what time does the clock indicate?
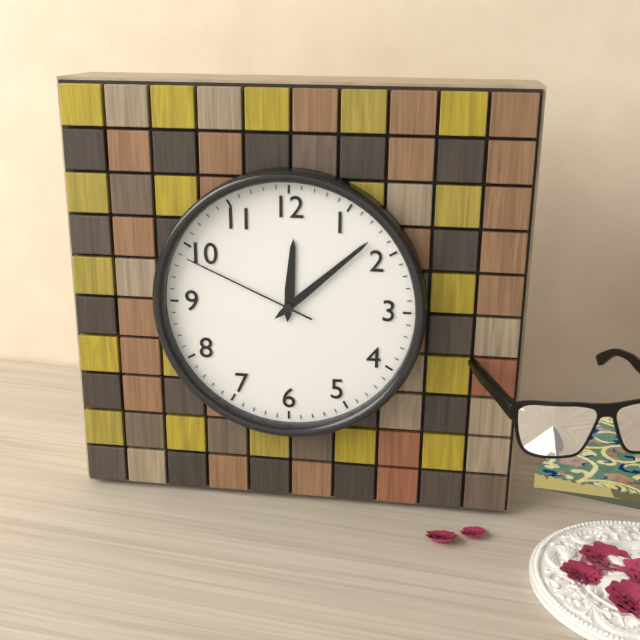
12:08:49
